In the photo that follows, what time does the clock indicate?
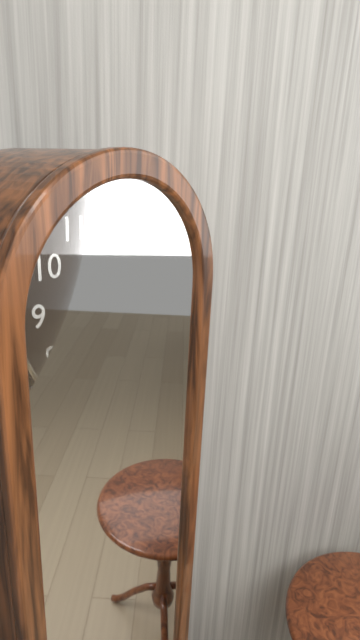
3:30
